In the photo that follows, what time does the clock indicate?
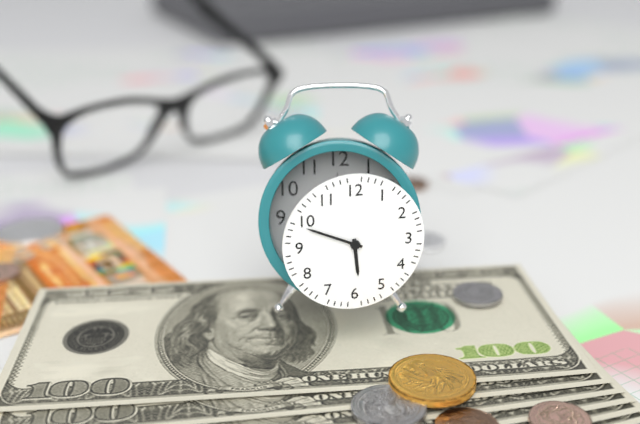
5:49
